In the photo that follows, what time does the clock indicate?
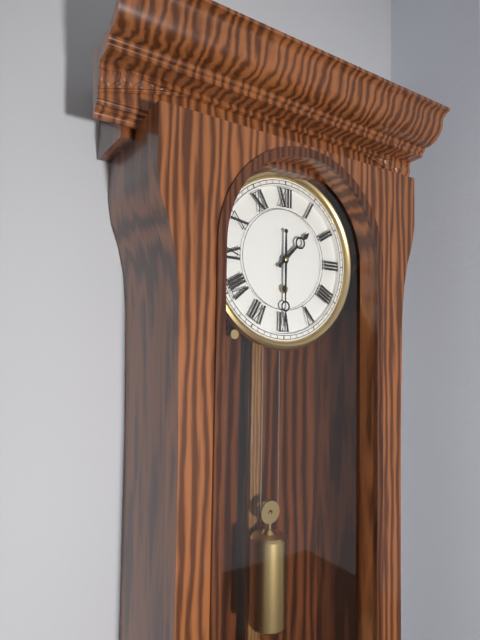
1:30
